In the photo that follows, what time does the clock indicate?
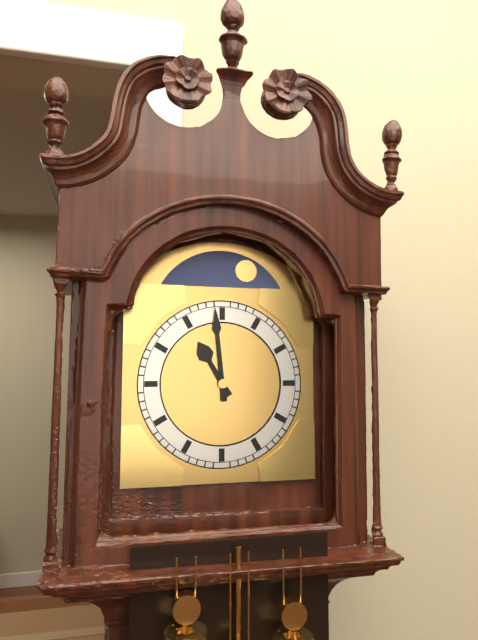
10:59
